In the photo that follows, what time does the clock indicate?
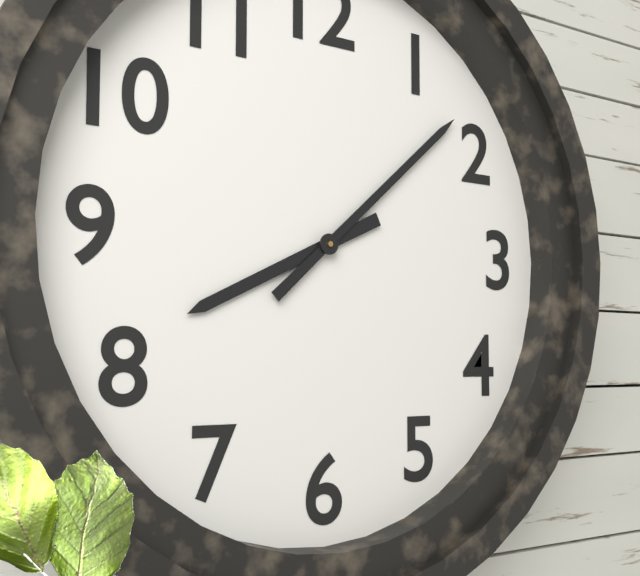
8:08
